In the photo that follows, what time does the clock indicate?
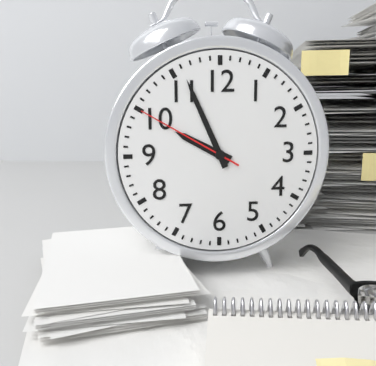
9:56:50
